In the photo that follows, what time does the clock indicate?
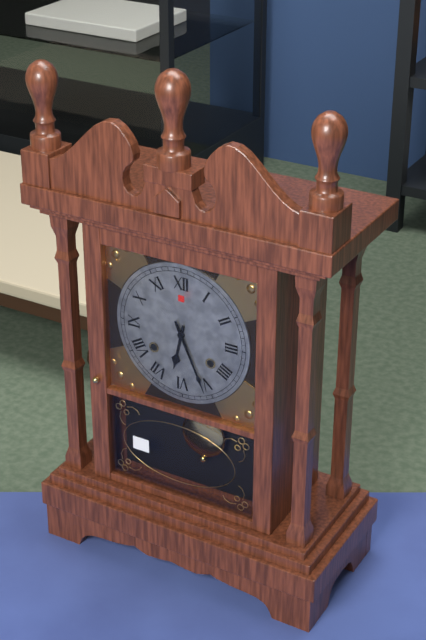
6:26
